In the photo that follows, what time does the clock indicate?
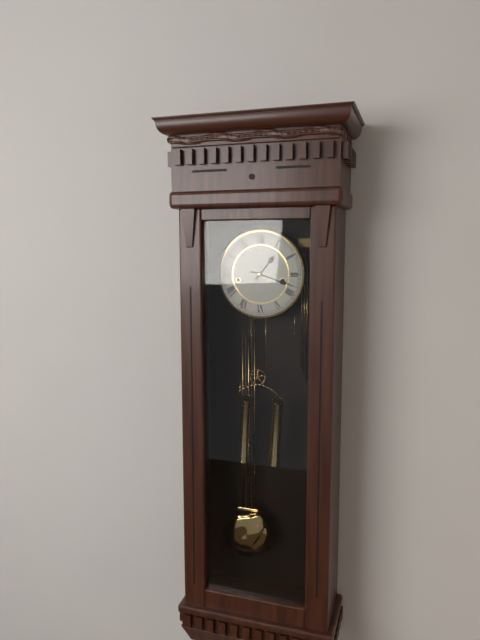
1:18
